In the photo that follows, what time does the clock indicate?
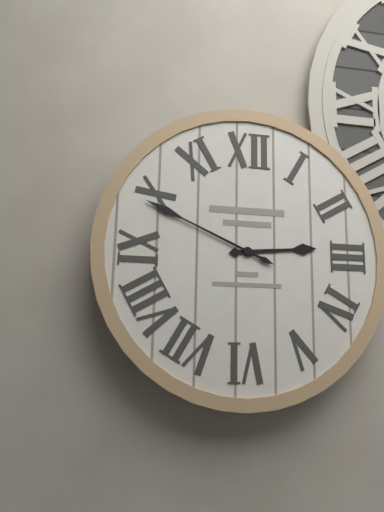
2:49
